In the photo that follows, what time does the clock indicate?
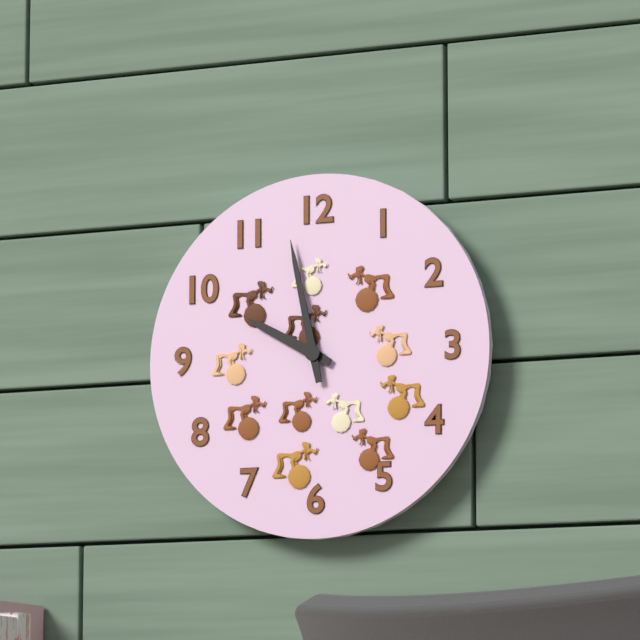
9:58
